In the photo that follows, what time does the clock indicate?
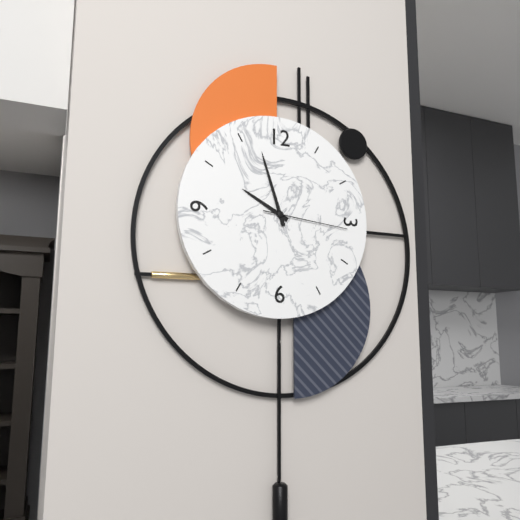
9:57:16
